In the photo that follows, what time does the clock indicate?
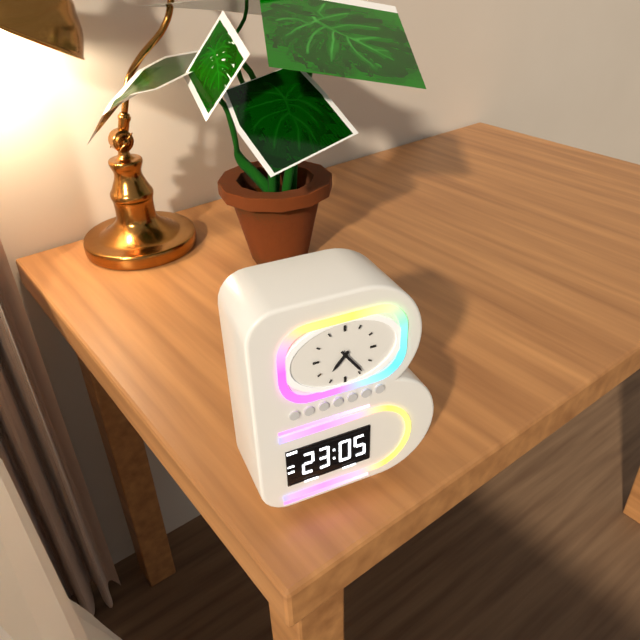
7:24
